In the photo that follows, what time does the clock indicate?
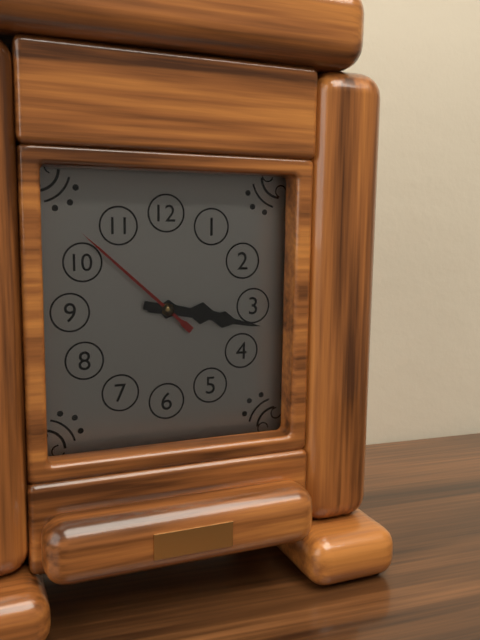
3:17:52
